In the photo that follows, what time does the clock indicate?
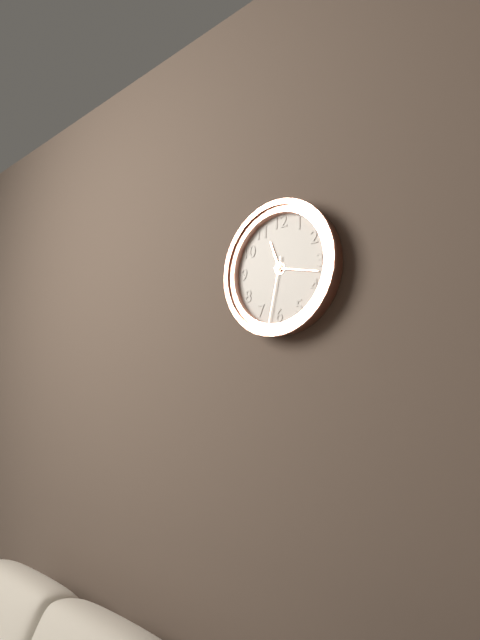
11:17:32
